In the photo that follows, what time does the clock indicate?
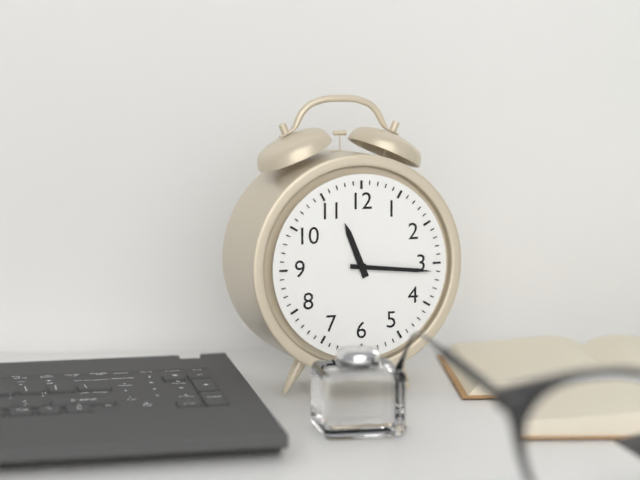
11:16
